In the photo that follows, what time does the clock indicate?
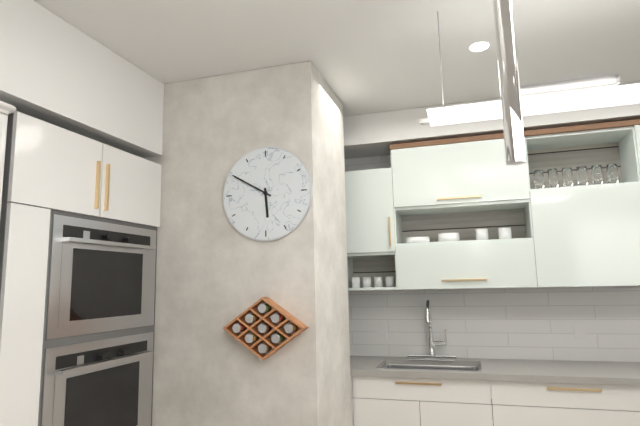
5:50
